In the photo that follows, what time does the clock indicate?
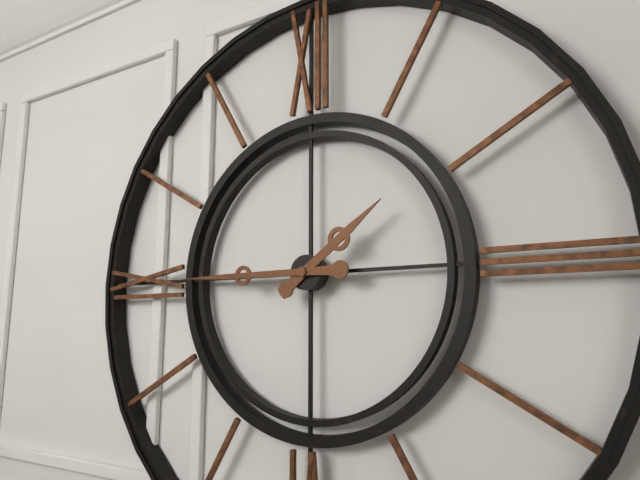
1:45
